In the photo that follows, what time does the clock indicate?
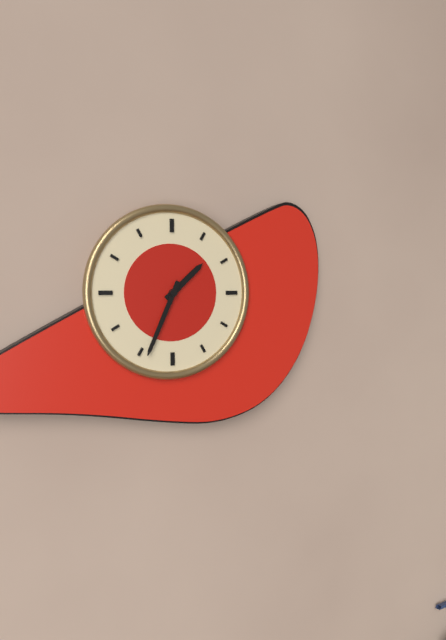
1:34
